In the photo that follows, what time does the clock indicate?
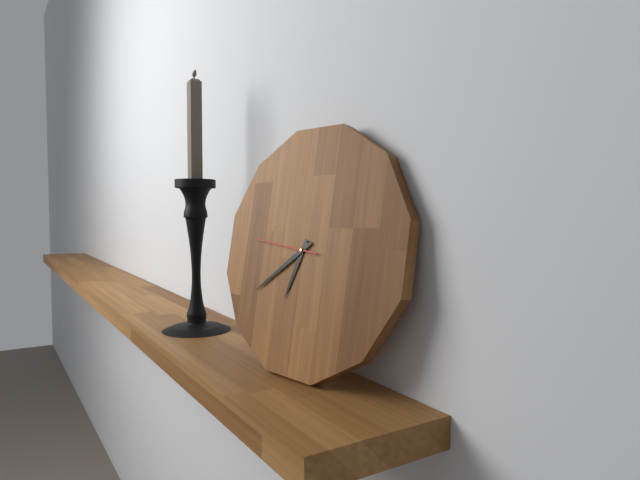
6:39:46
